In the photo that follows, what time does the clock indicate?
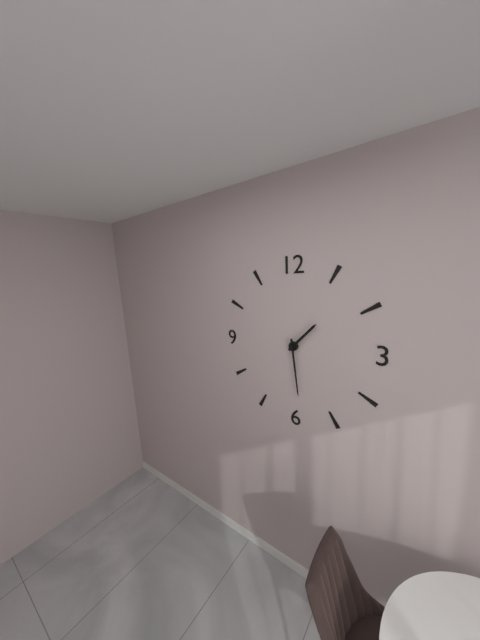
1:29
